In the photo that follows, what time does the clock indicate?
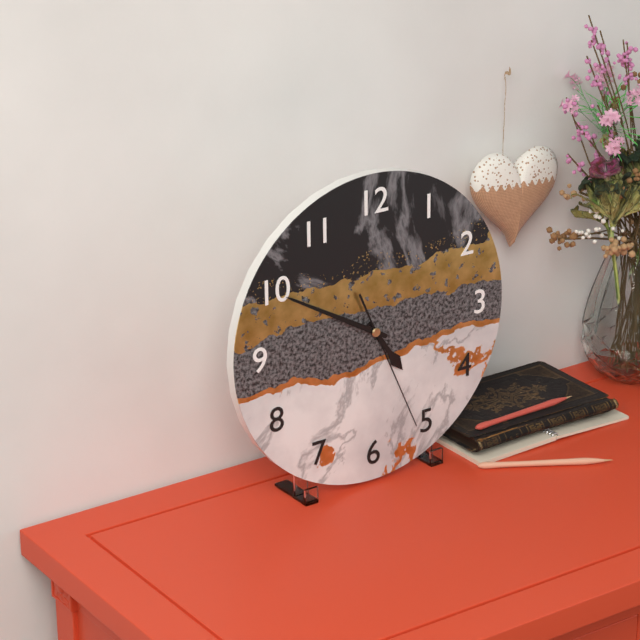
4:50:26
